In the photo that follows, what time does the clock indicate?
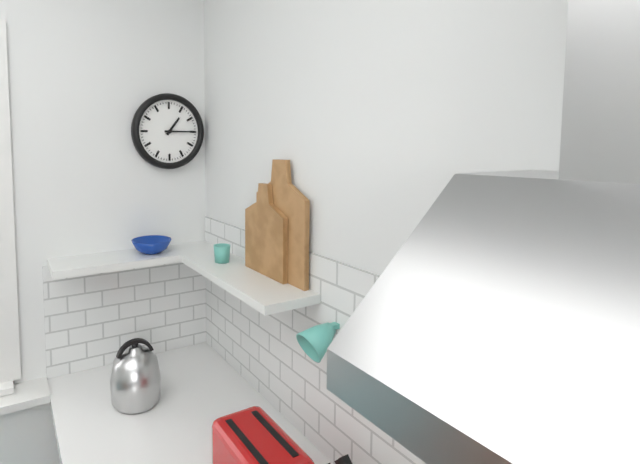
1:15
